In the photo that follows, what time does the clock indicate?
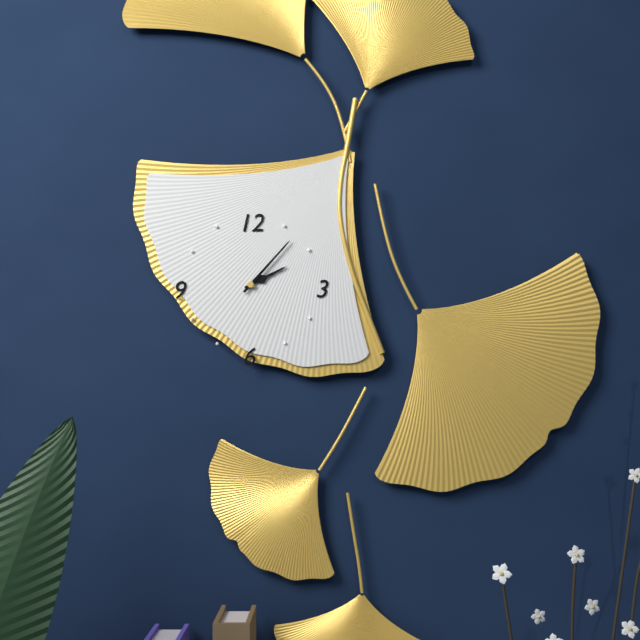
2:07
